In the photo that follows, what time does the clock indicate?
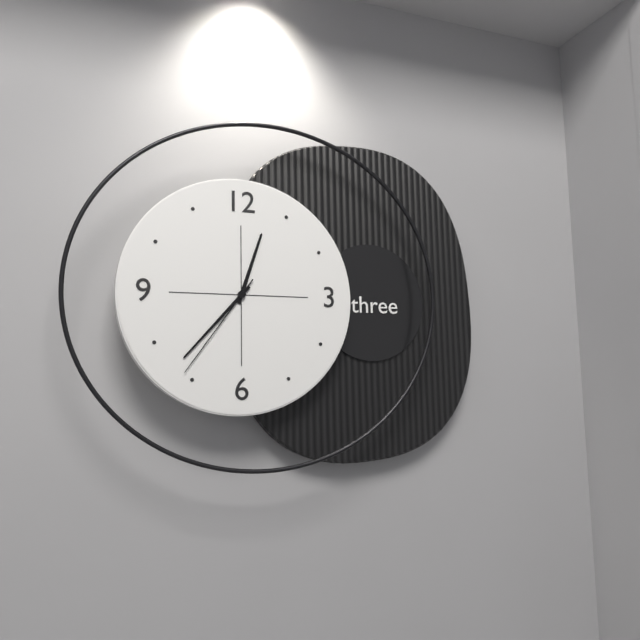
12:37:36
